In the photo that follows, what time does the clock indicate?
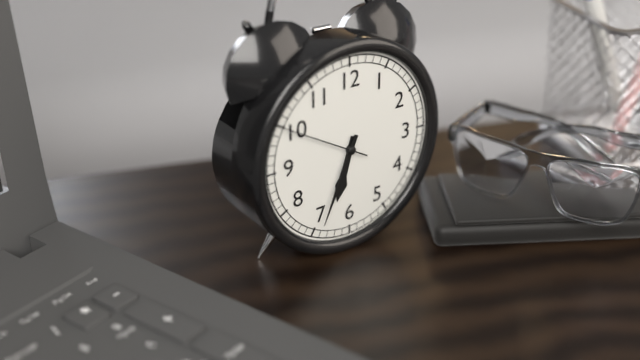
6:34:50
